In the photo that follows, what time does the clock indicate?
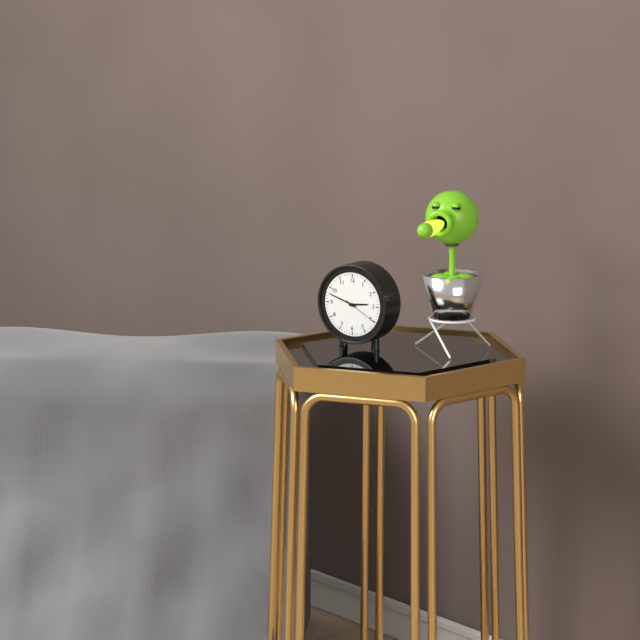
2:48
